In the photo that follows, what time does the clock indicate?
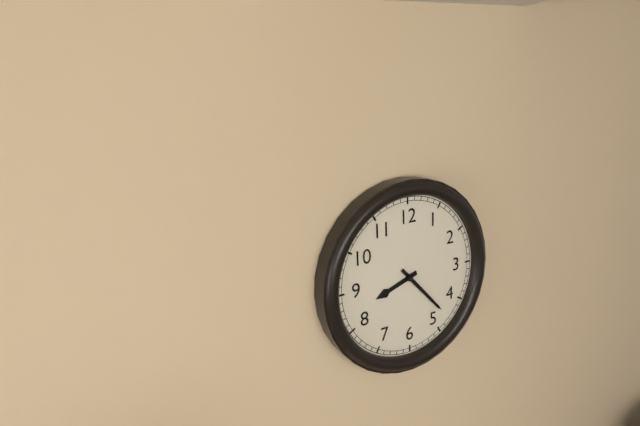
8:23
